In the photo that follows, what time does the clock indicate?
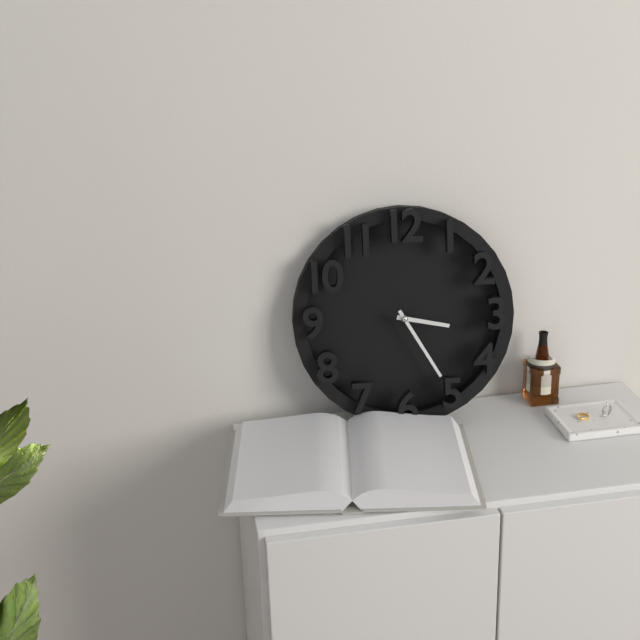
3:25
